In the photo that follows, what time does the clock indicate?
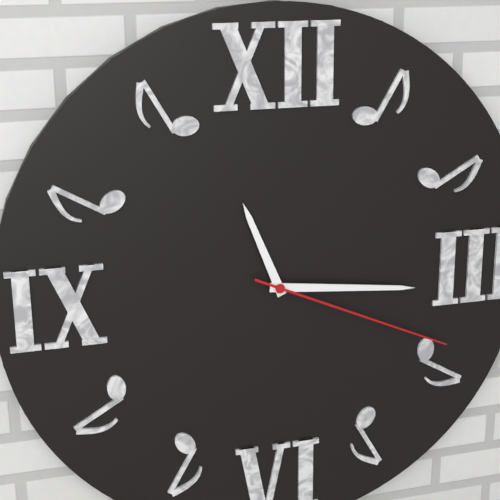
11:16:19
